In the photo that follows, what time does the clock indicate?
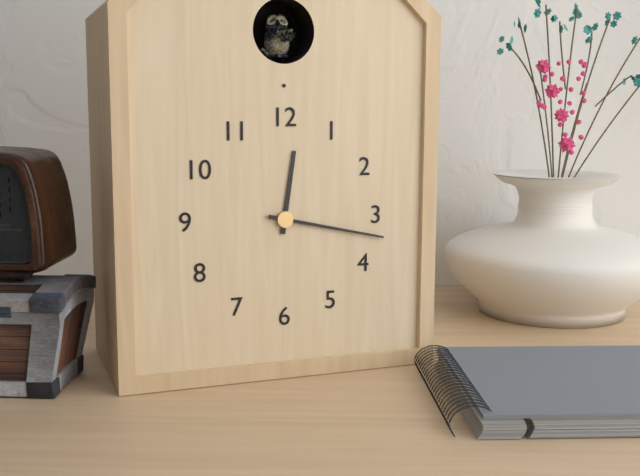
12:17
